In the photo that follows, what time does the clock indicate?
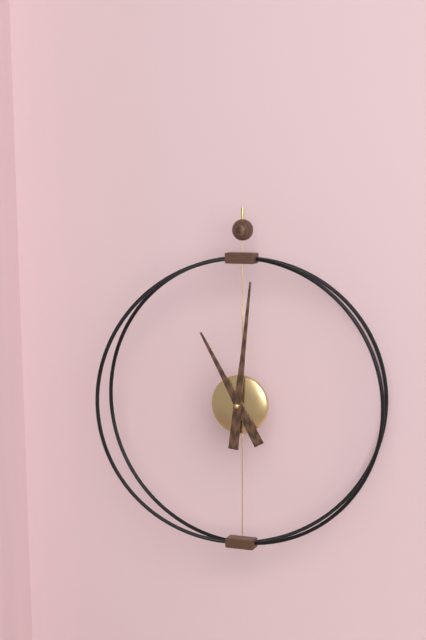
11:01
